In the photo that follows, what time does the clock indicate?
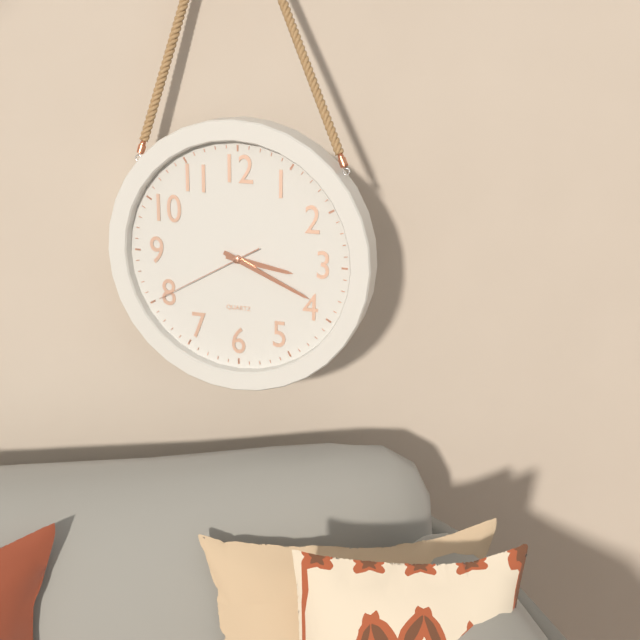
3:19:40
